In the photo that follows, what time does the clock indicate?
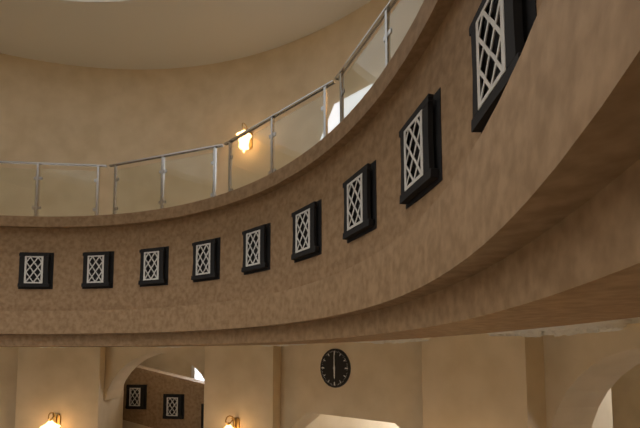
6:00
